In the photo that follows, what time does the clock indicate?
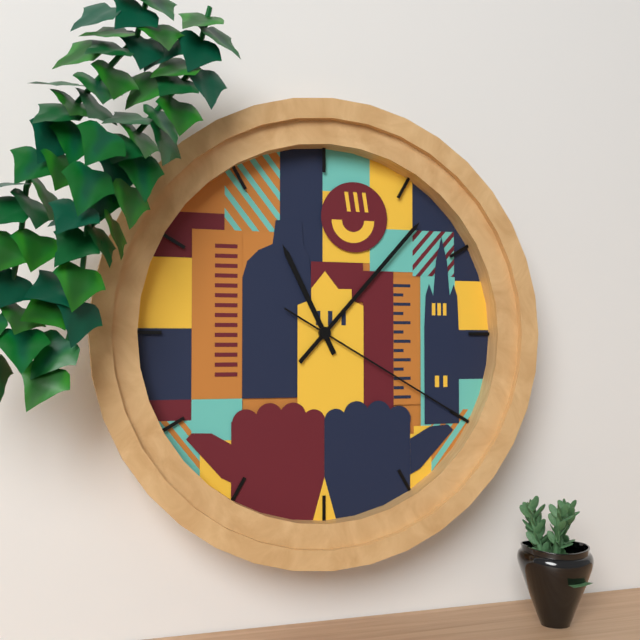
11:07:20
